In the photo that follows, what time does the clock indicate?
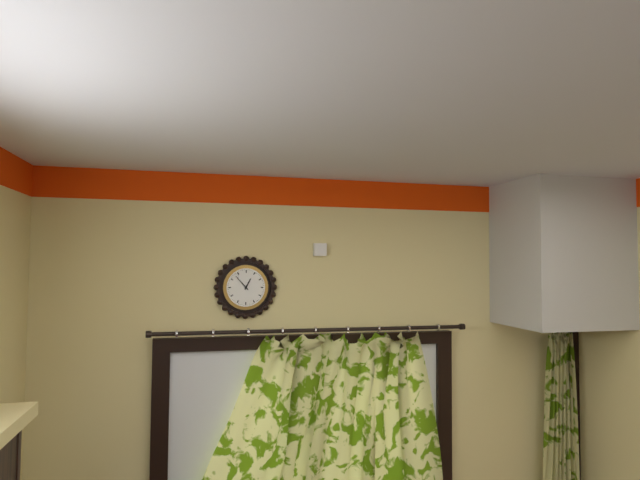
12:53
